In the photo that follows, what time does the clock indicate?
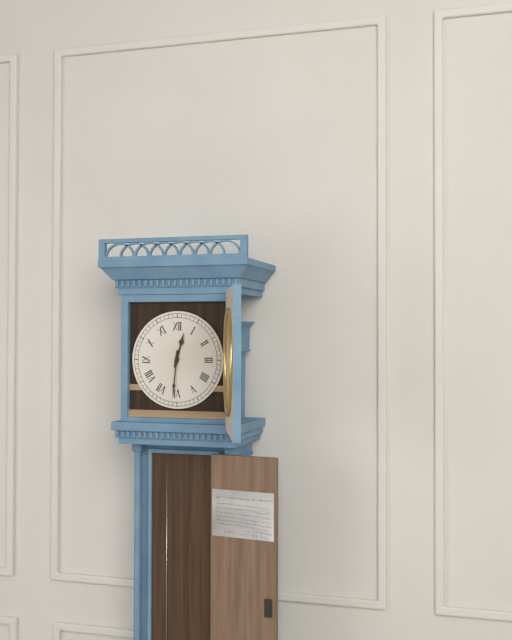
12:31
